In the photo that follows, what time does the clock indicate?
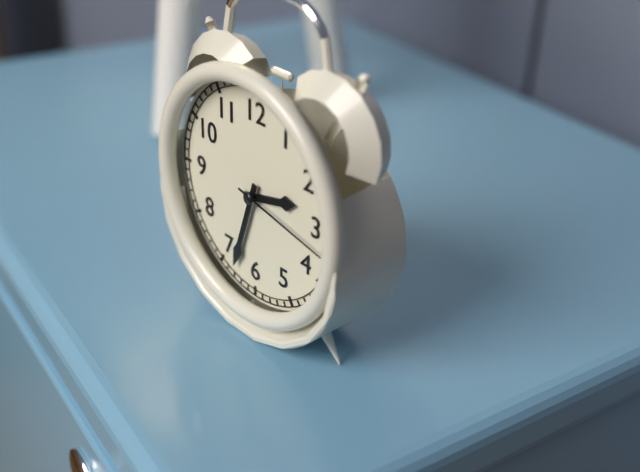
2:33:17
